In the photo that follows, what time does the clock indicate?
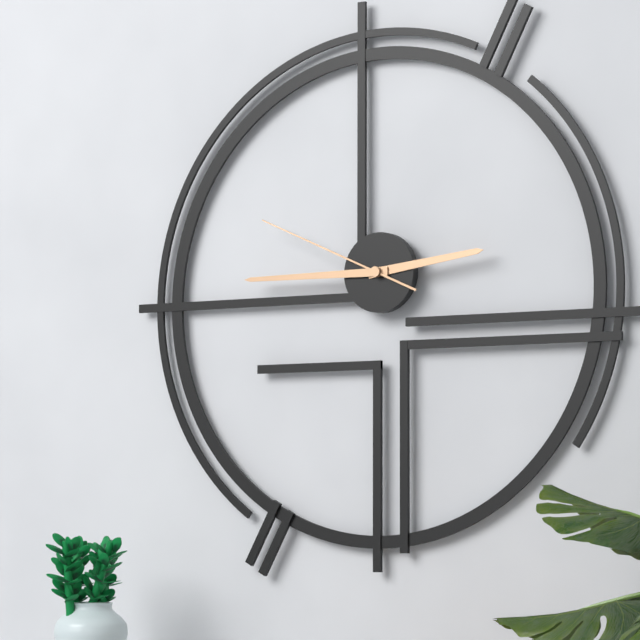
2:45:49
